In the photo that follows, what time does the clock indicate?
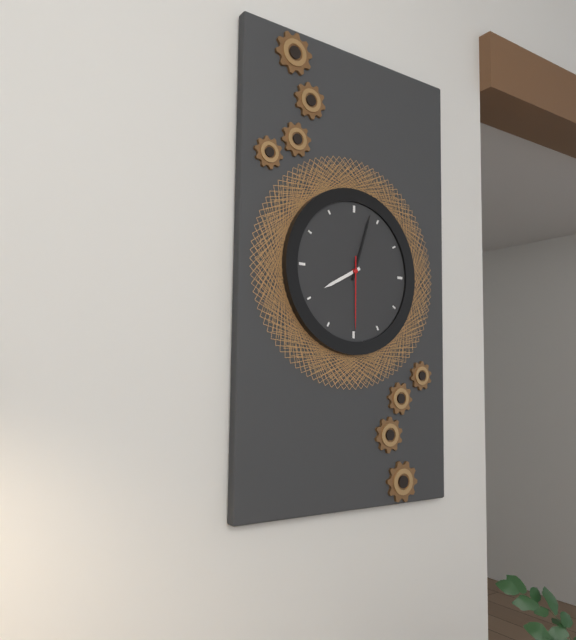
8:03:30
